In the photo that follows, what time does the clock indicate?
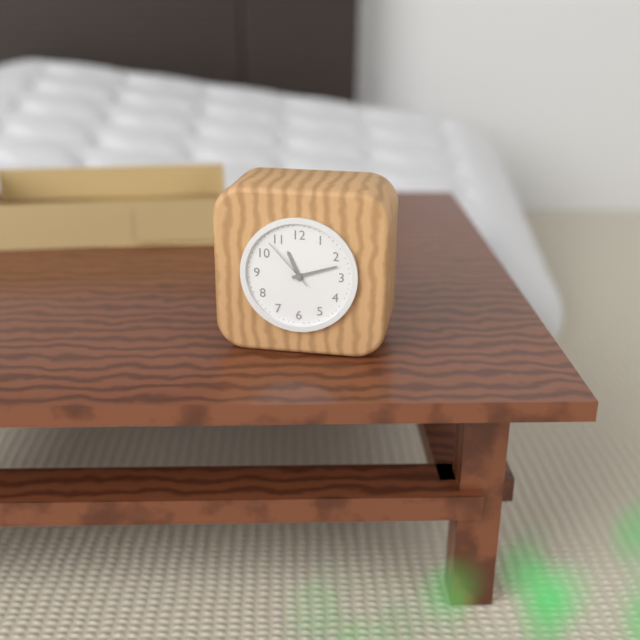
11:12:53
